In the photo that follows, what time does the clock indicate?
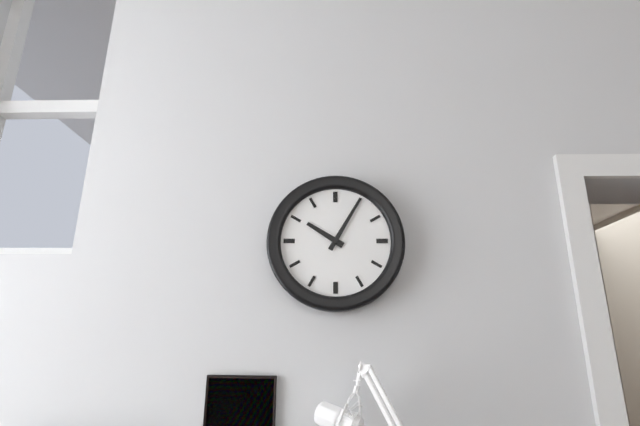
10:05
